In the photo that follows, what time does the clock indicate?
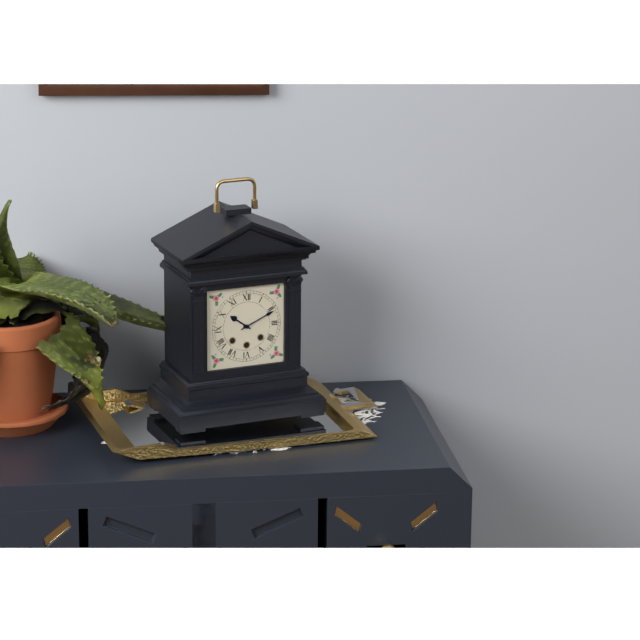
10:11
